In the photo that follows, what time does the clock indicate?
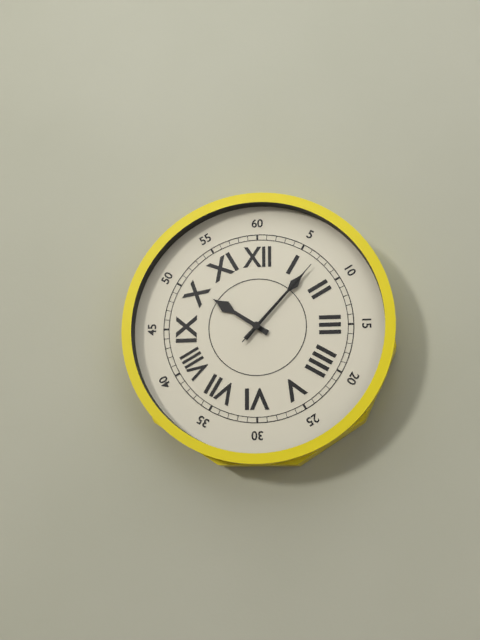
10:07:07
